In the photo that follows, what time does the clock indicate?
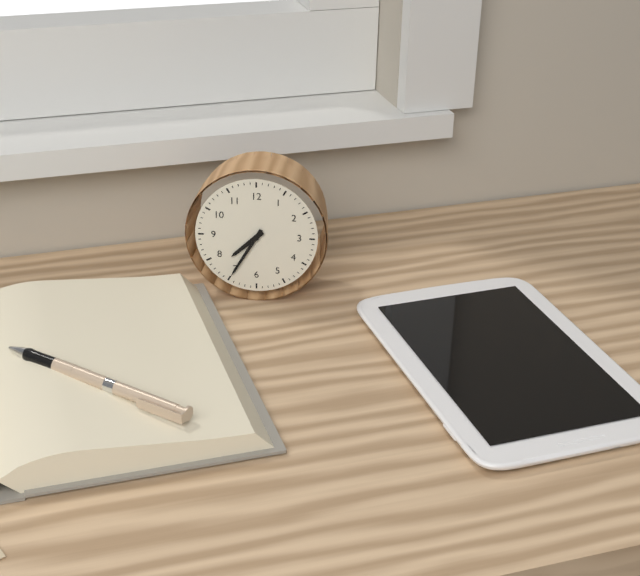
7:35
